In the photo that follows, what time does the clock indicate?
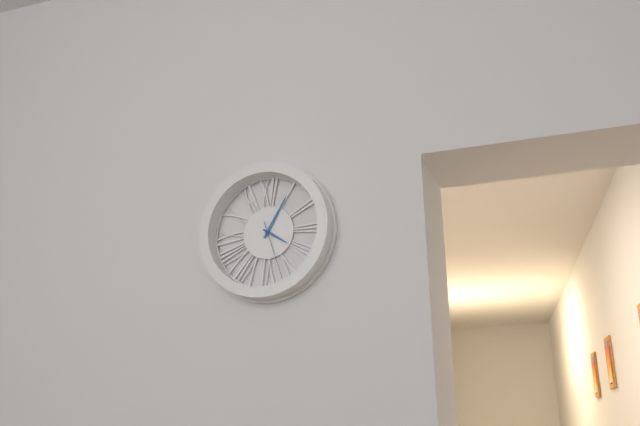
4:05:27
